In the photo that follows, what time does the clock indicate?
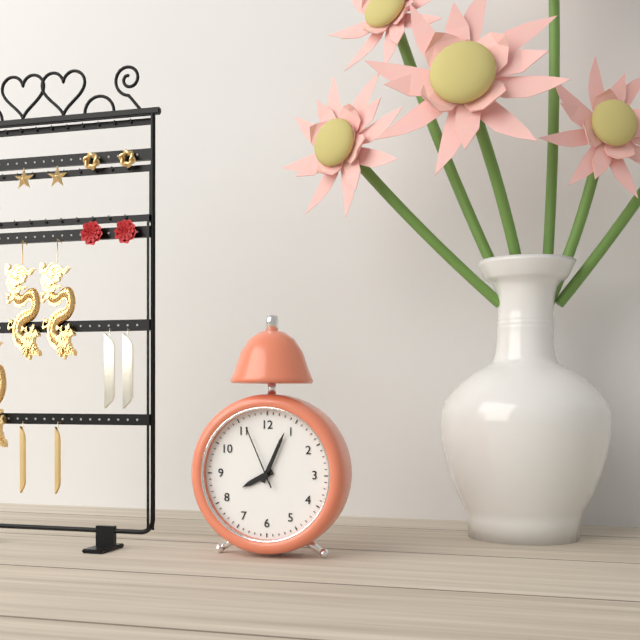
8:04:56
